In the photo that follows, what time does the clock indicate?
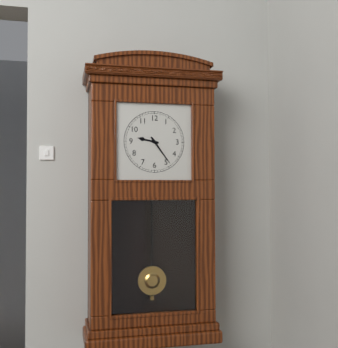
9:24
